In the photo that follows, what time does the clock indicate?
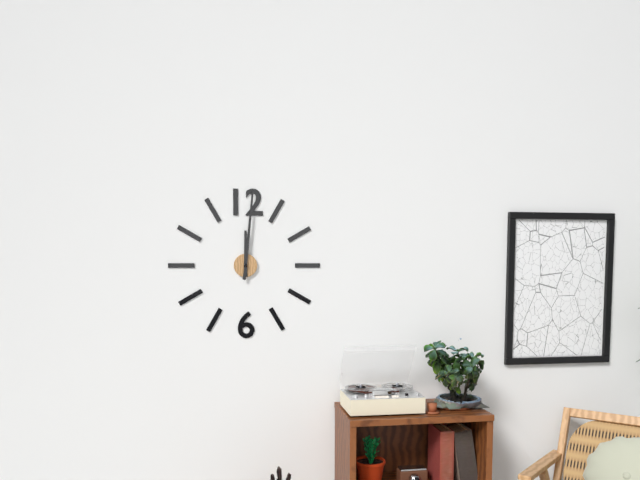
12:01
